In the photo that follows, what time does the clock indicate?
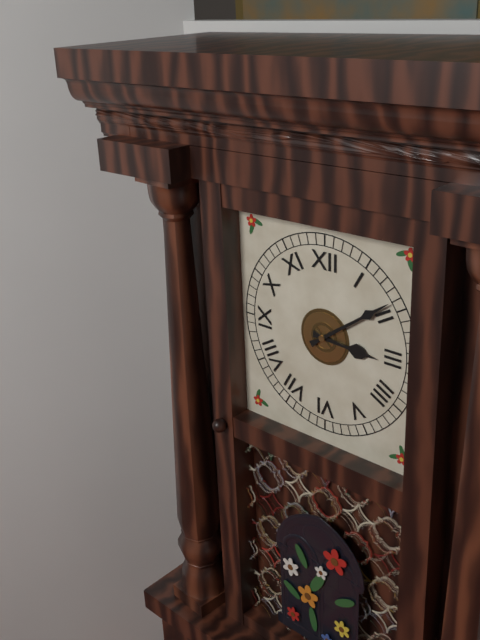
3:09
